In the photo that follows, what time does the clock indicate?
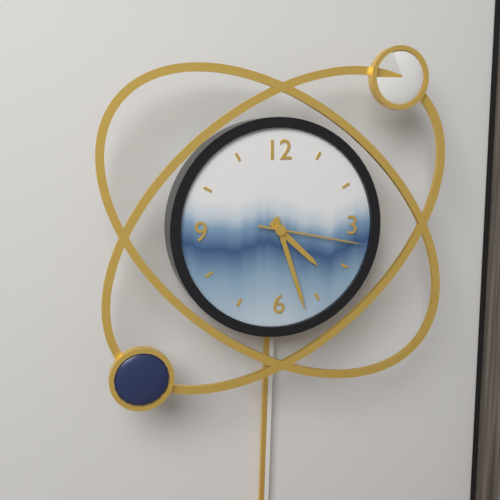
4:27:17
